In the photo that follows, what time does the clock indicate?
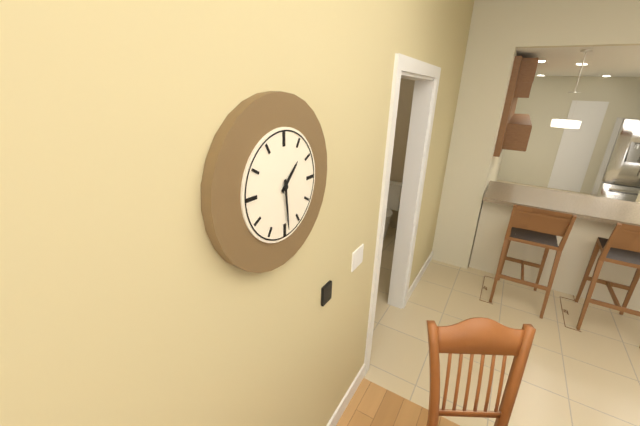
1:29
